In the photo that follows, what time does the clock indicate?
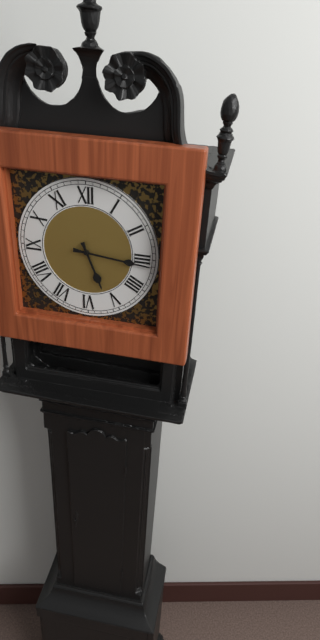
5:16
